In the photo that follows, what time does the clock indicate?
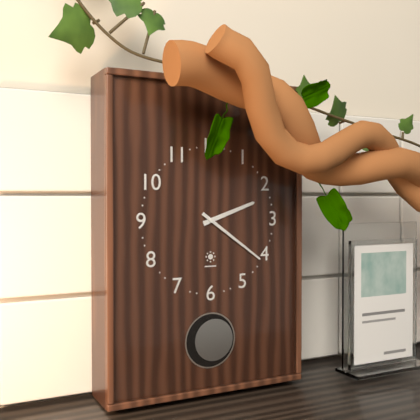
2:21
